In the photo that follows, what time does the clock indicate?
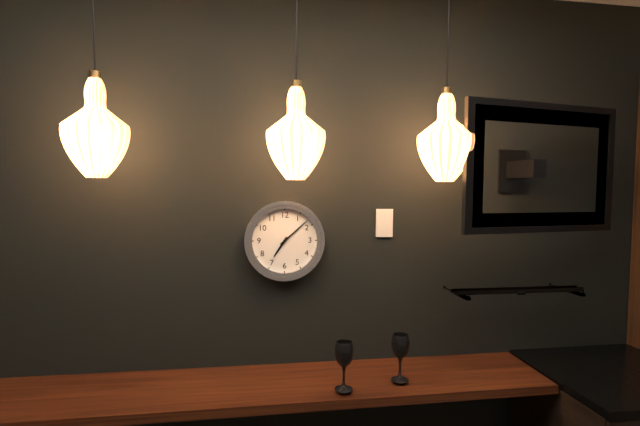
7:08
